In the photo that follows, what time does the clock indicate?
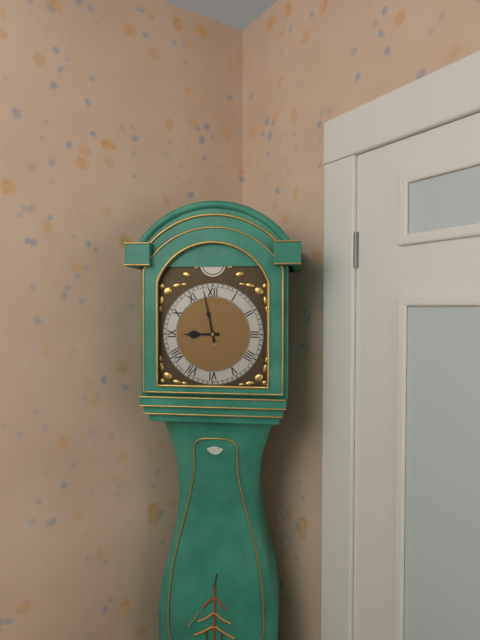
8:58
